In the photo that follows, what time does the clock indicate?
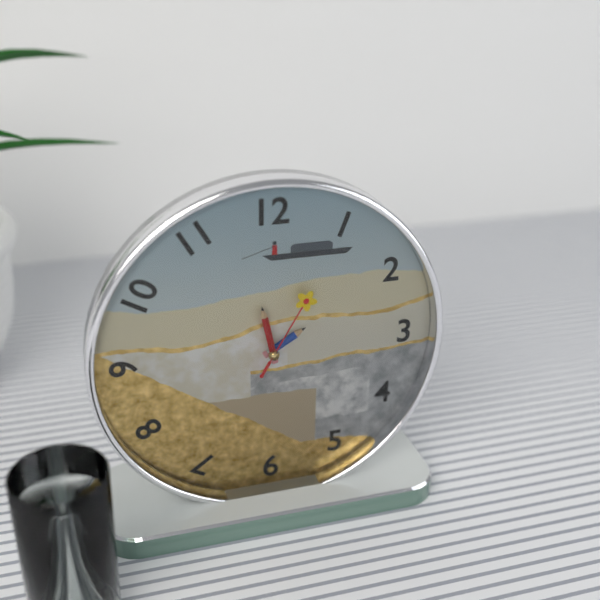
1:58:05
